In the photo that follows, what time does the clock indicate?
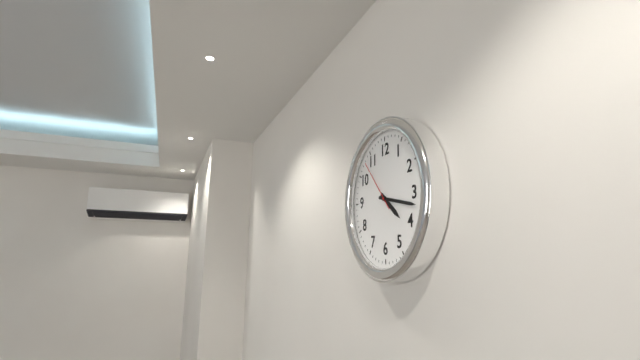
4:17:53
